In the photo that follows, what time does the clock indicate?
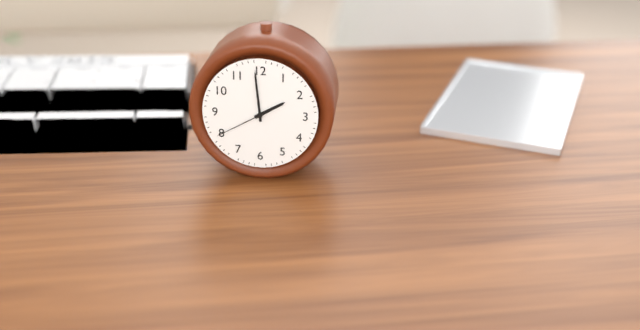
1:59:40
